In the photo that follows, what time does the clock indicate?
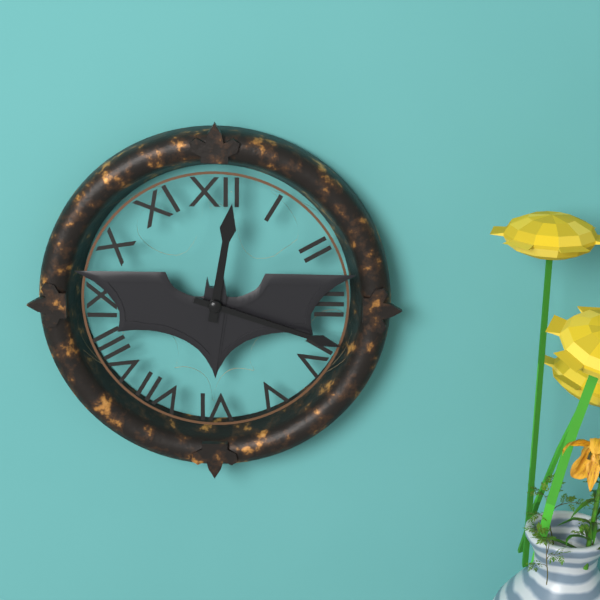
12:18
